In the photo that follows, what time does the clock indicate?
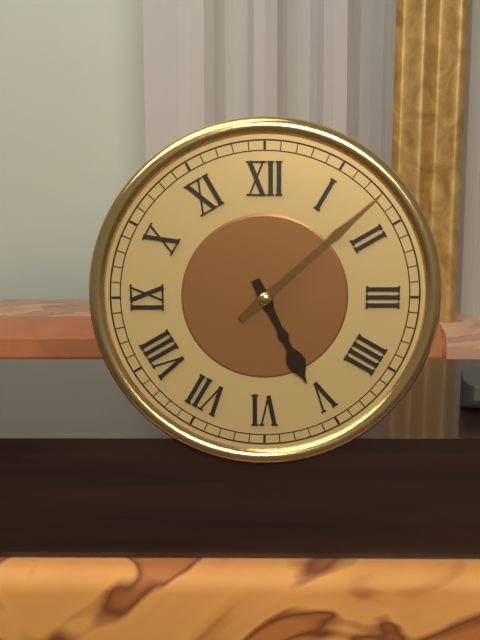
5:08
